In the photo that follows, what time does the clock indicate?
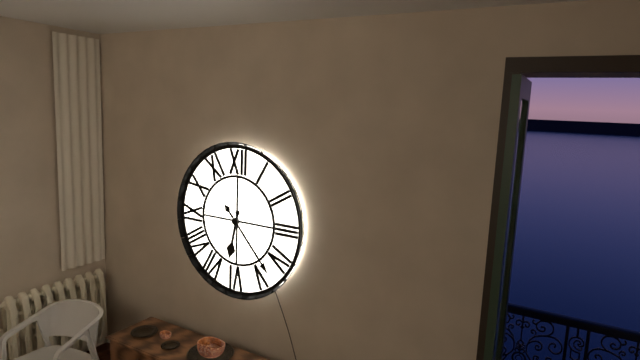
6:23
